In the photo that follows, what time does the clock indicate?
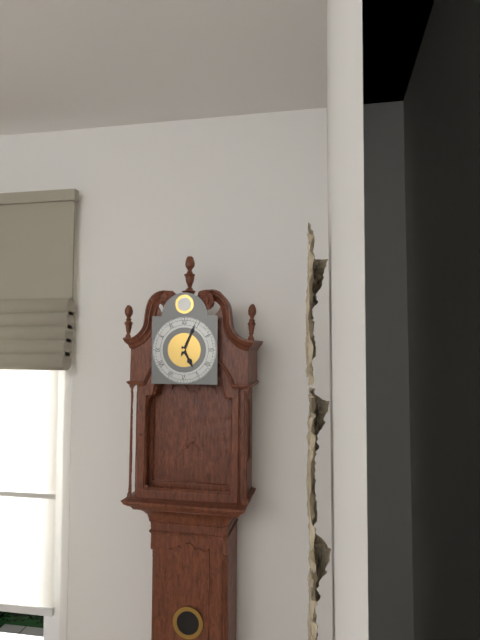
5:04
